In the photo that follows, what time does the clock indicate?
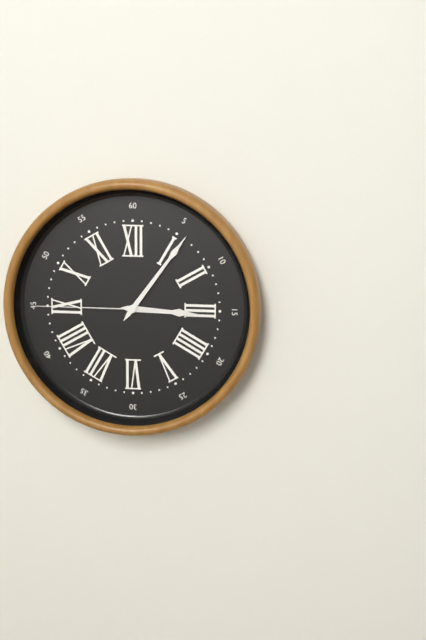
3:06:45
